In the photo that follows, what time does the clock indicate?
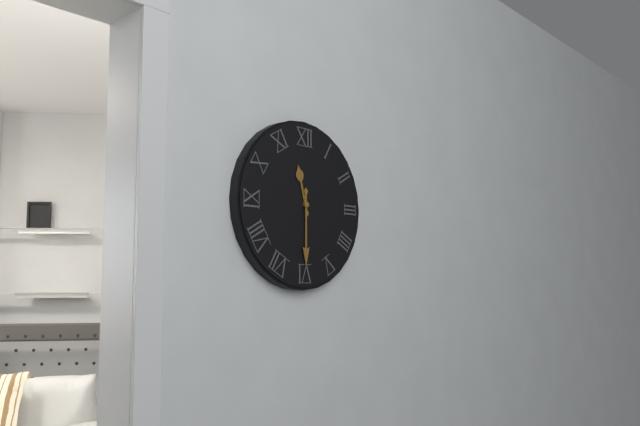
11:30
